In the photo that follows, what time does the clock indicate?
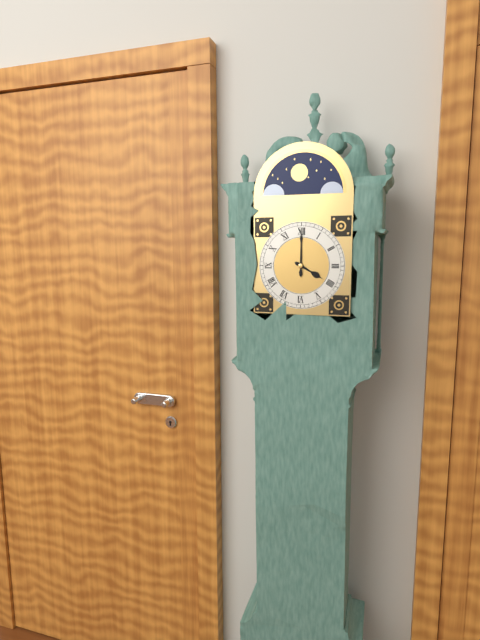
4:00
